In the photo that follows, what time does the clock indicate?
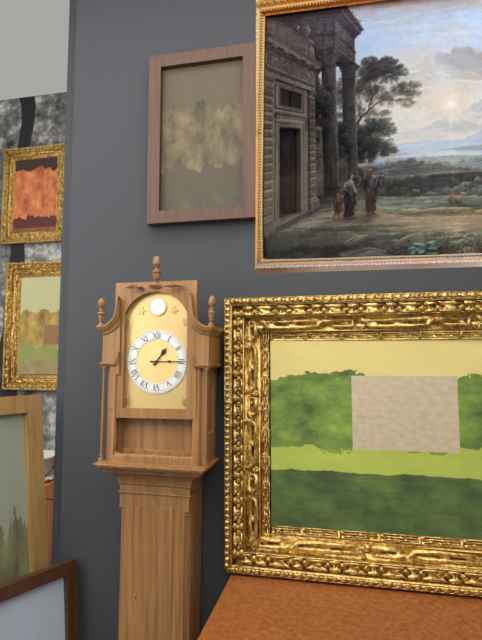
1:15
